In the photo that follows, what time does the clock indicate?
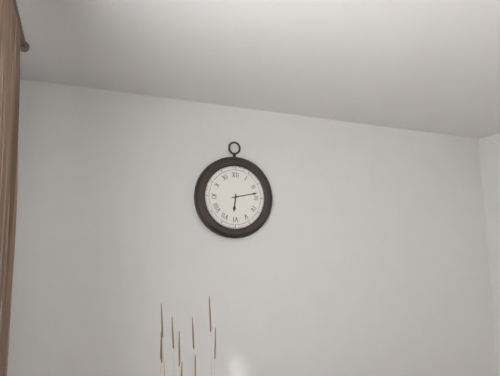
6:13
